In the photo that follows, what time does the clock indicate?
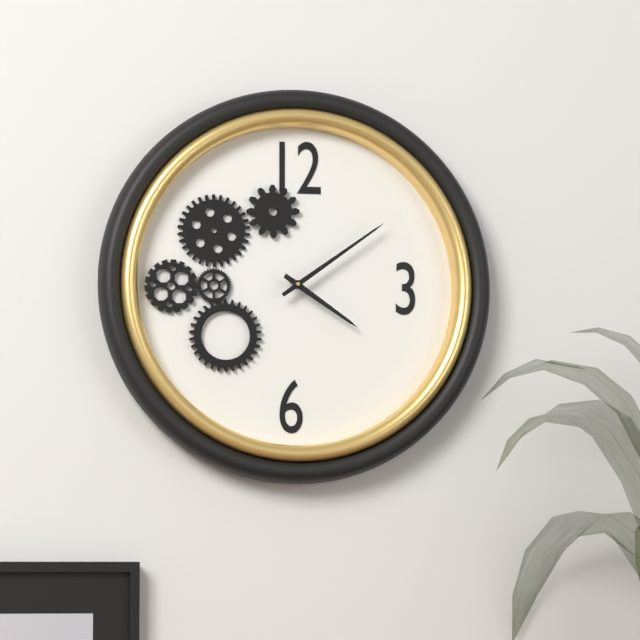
4:09
